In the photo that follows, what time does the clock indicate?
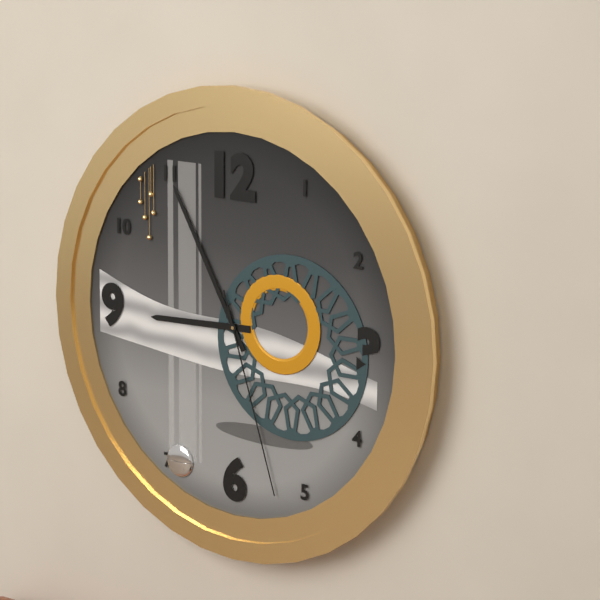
8:55:27
